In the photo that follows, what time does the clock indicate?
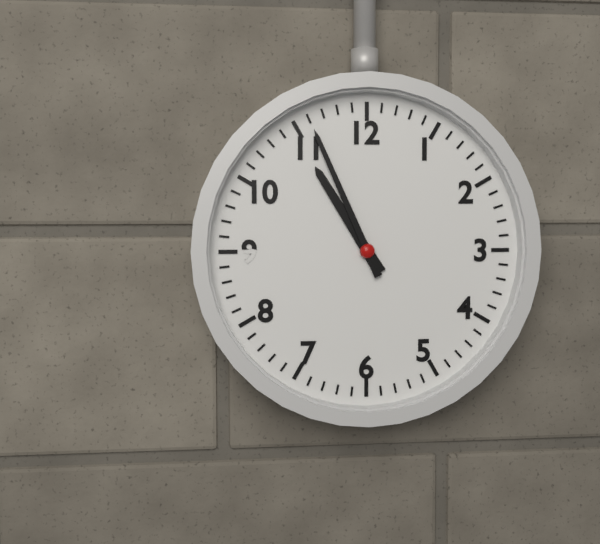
10:56
